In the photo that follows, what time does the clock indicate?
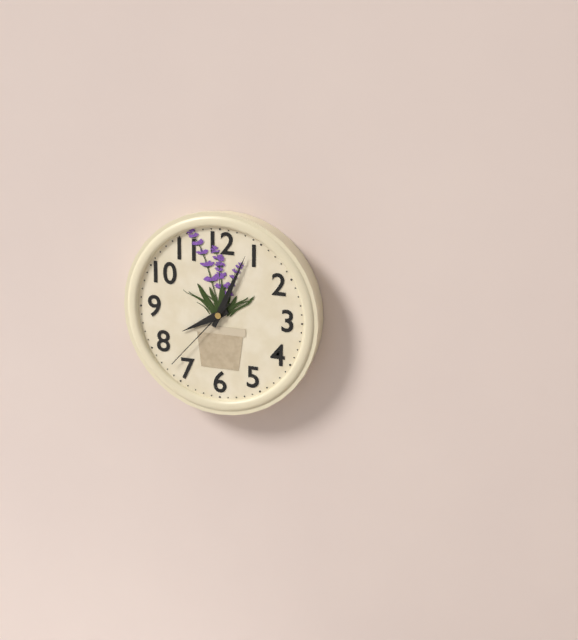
8:04:37
